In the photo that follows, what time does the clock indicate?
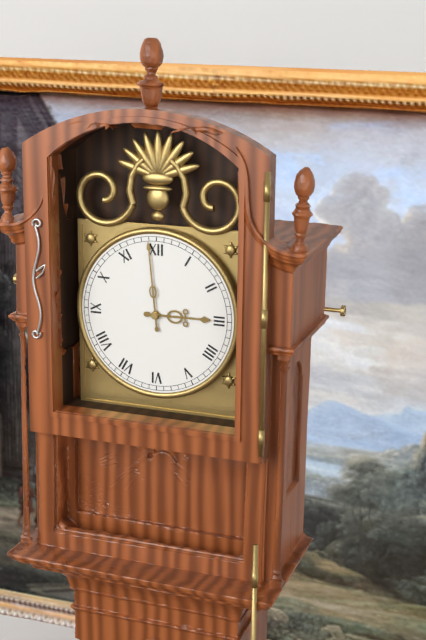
2:59
